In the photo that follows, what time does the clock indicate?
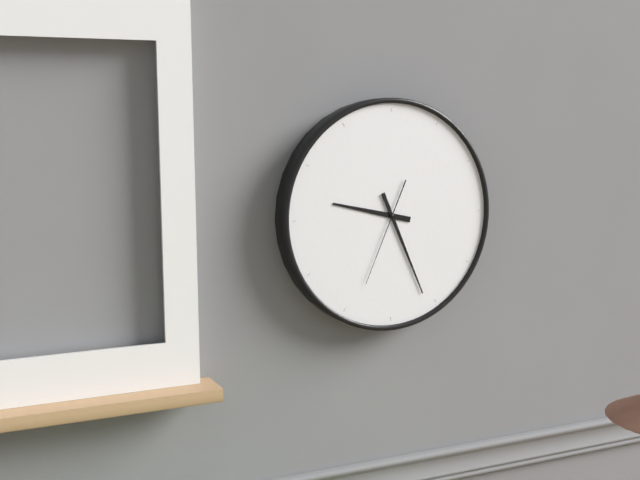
9:26:34
